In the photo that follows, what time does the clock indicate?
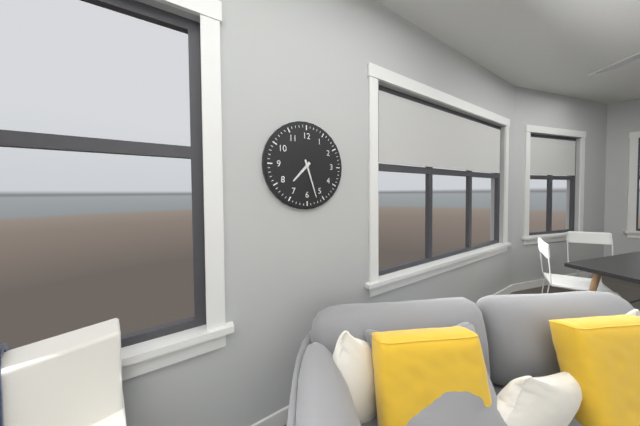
7:27
